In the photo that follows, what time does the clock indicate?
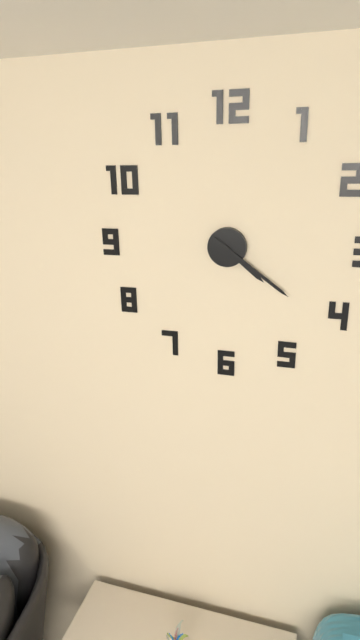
4:21
